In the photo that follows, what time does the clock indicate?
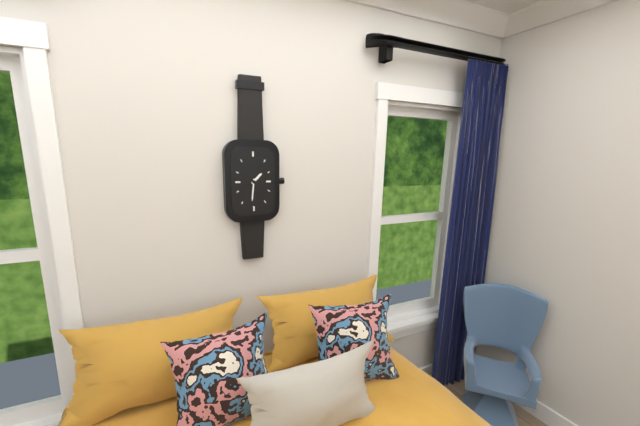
1:31
